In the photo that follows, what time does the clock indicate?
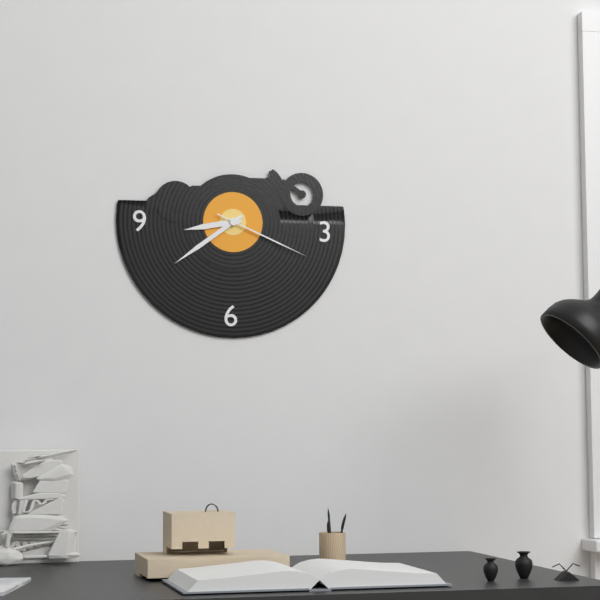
8:39:19
